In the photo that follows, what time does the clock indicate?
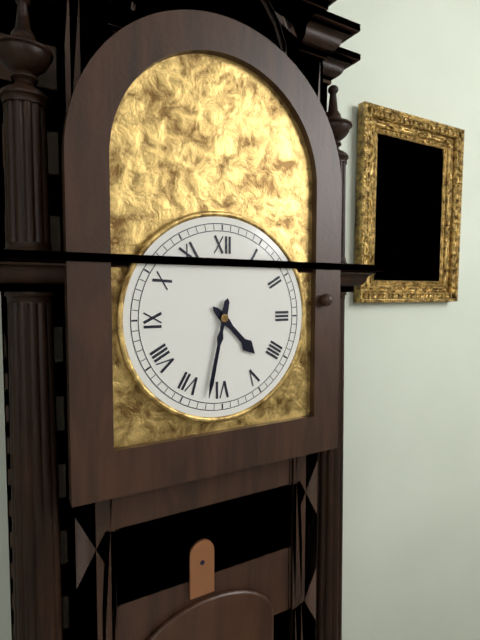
4:32
